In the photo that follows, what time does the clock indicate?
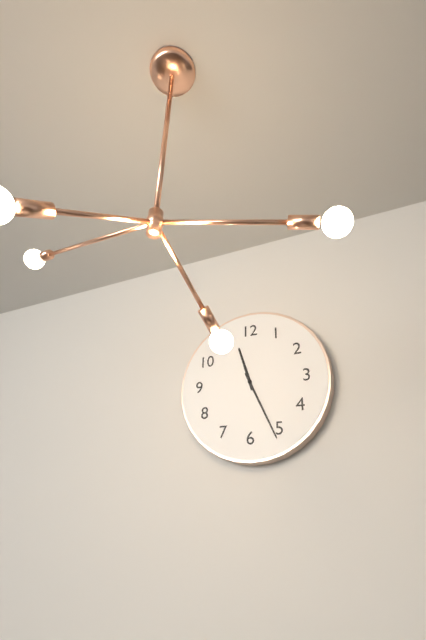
11:26
